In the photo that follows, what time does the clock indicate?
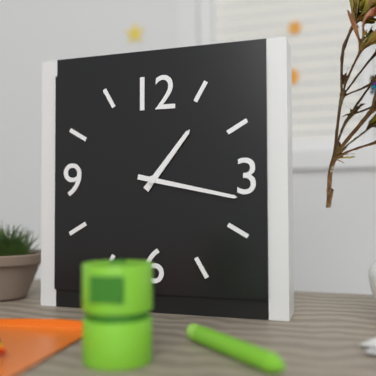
1:17
